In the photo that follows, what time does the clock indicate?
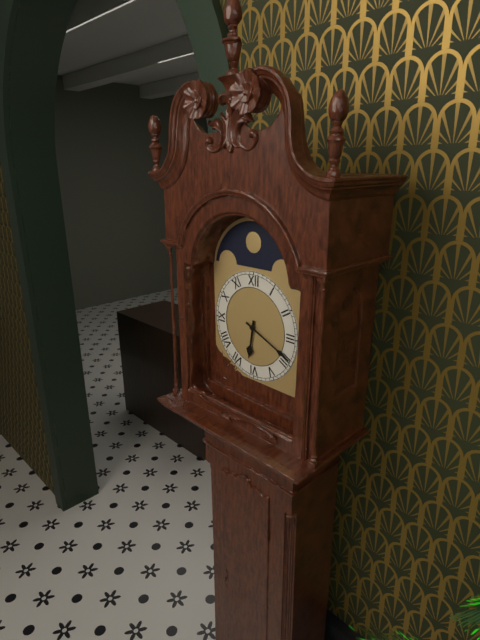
6:19
